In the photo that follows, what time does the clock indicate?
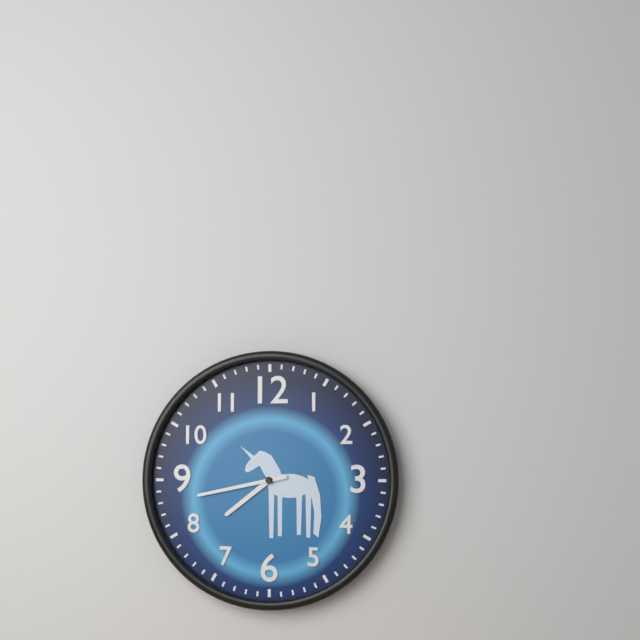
7:43
